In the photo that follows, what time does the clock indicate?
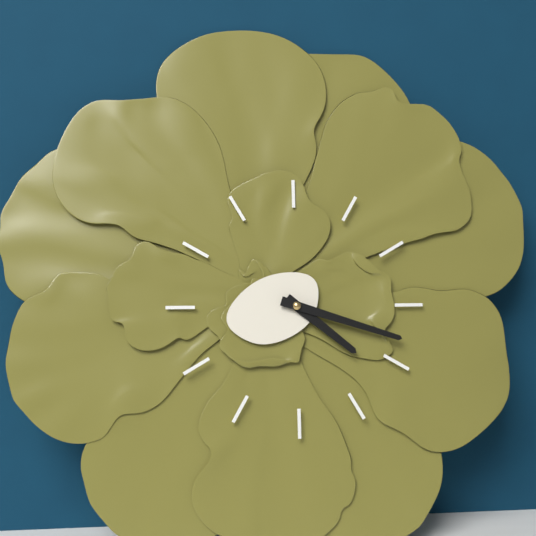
4:18
